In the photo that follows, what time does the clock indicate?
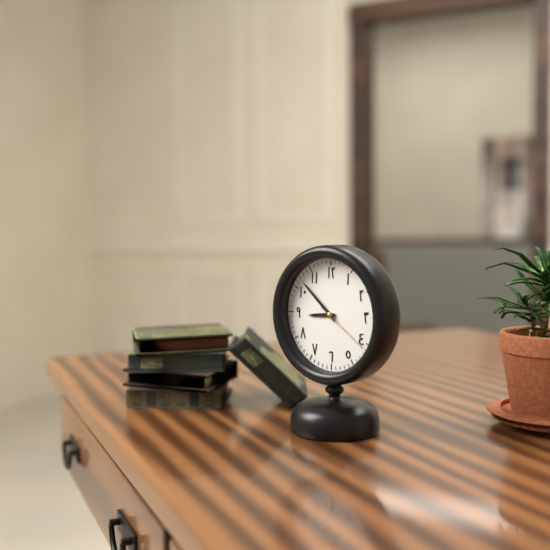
8:52:21
